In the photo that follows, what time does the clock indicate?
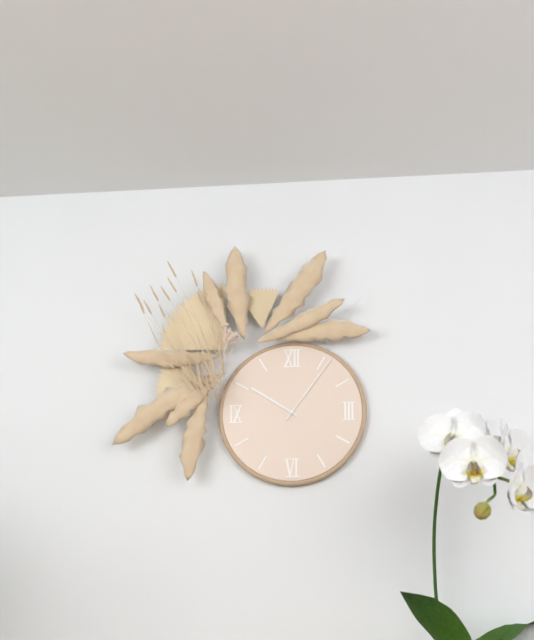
10:06
